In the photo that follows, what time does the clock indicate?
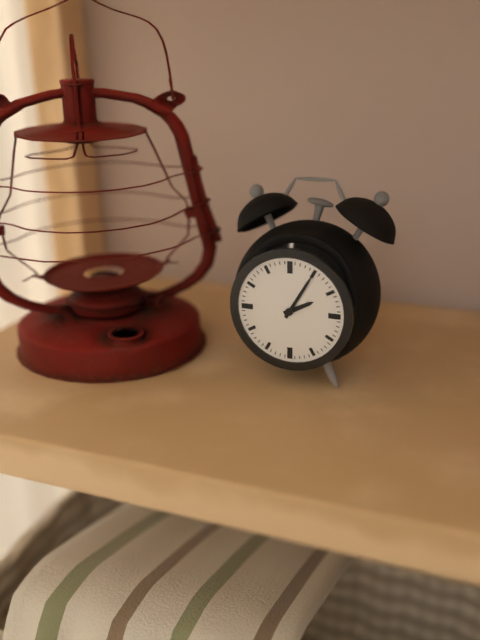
2:05
